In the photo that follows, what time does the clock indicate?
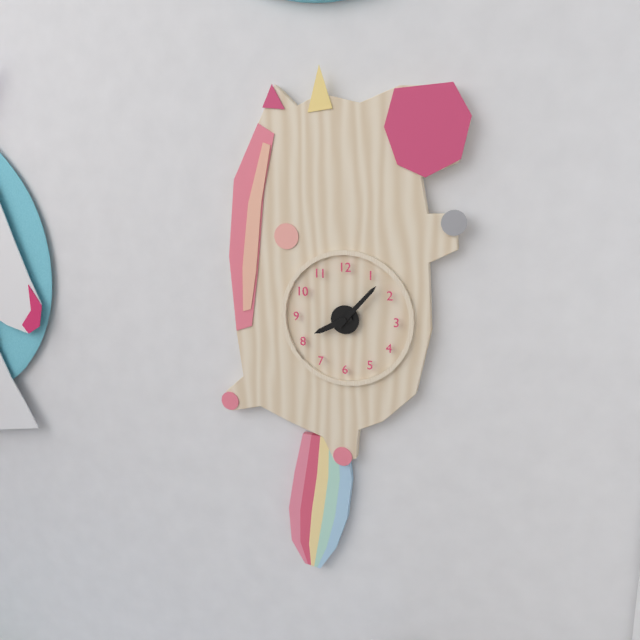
8:07
